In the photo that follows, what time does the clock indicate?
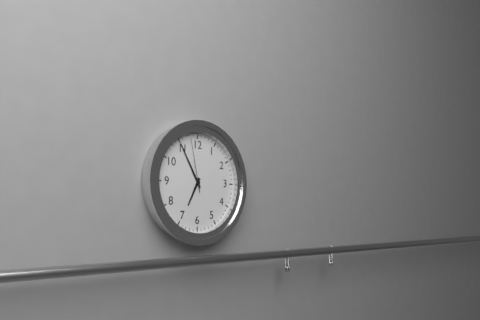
6:55:58
